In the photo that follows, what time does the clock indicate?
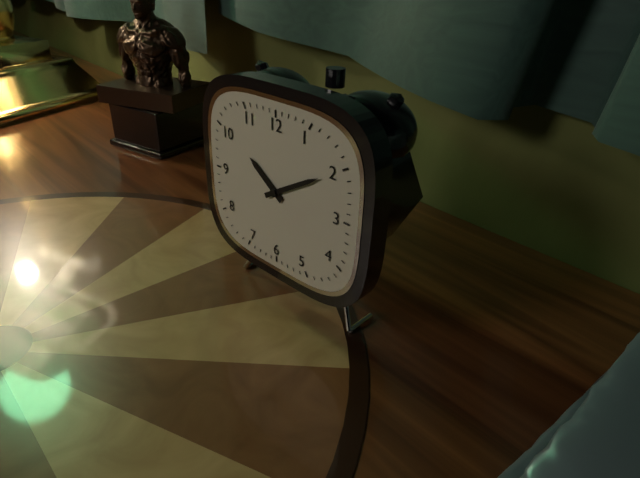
10:10
